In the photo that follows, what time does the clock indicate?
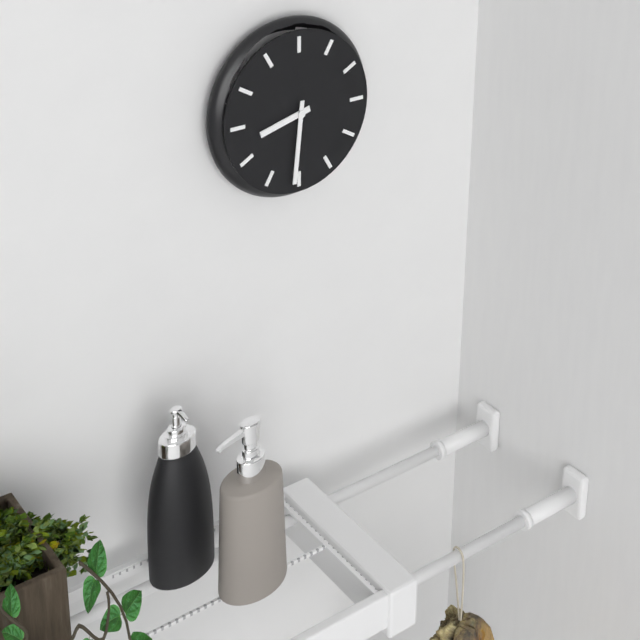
8:31
